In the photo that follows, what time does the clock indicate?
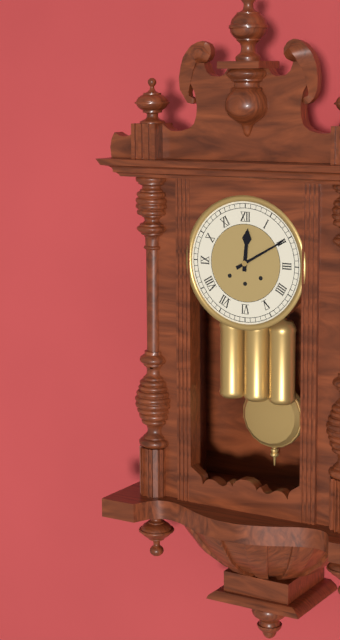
12:10
